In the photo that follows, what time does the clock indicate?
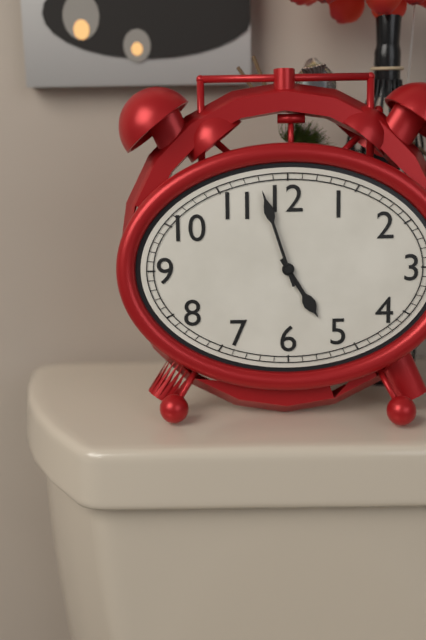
4:57
